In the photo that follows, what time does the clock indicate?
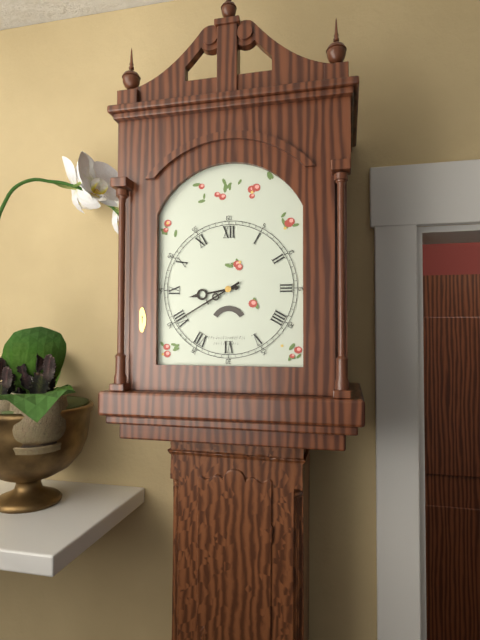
8:40
